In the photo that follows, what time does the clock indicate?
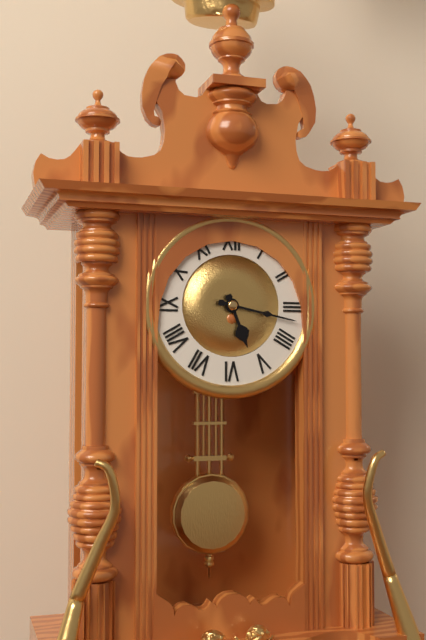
5:17
